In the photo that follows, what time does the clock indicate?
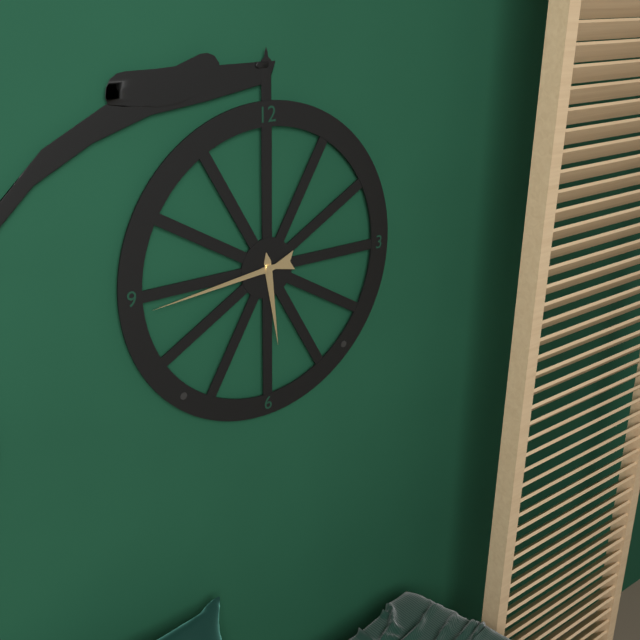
5:44
